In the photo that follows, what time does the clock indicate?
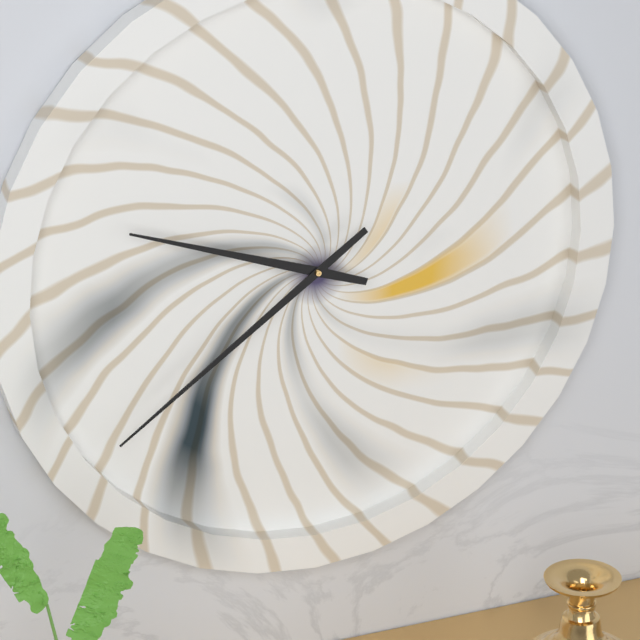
9:39
